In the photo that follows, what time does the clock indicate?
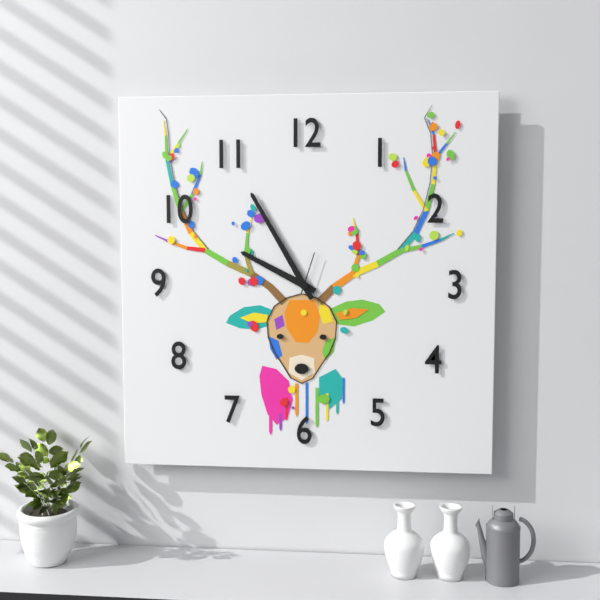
9:55
